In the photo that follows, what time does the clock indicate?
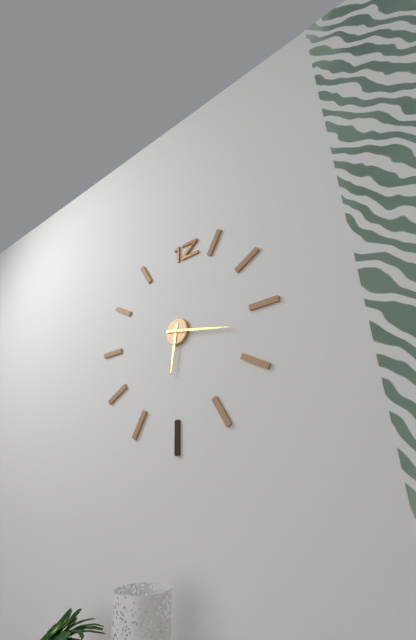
6:17
